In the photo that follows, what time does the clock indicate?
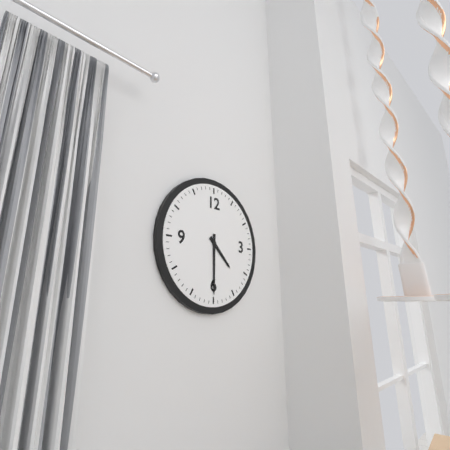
4:30
